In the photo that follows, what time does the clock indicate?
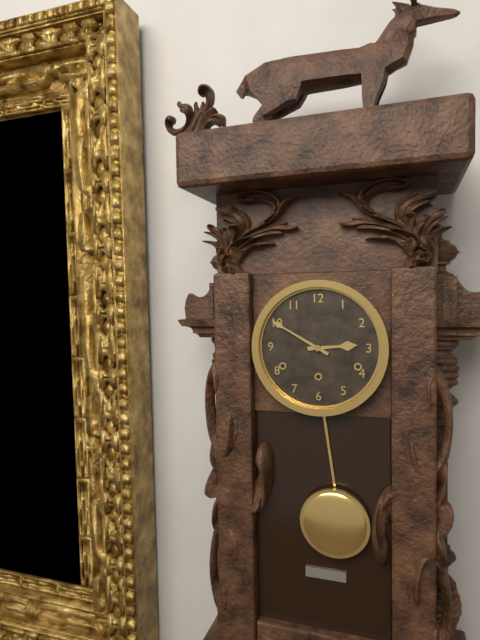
2:50
